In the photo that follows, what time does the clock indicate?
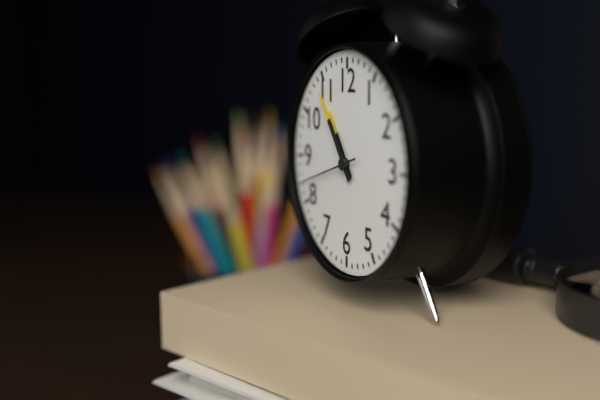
10:54:42
